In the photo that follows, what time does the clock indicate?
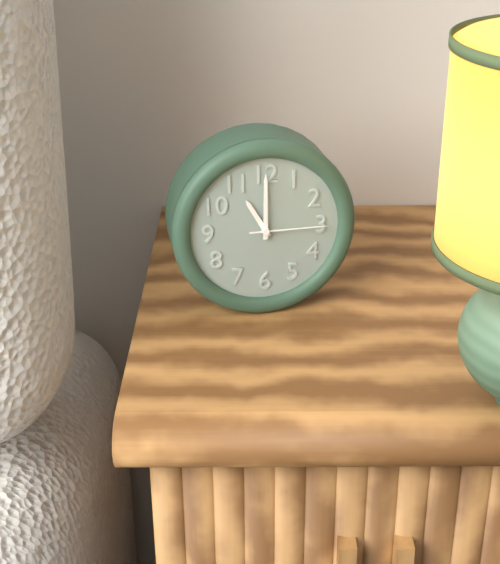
11:00:15
